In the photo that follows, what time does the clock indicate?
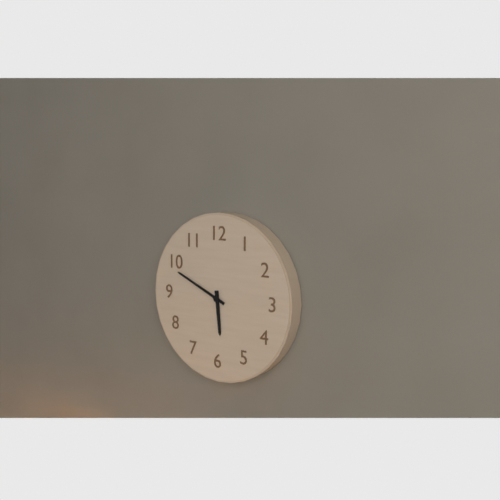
5:49
